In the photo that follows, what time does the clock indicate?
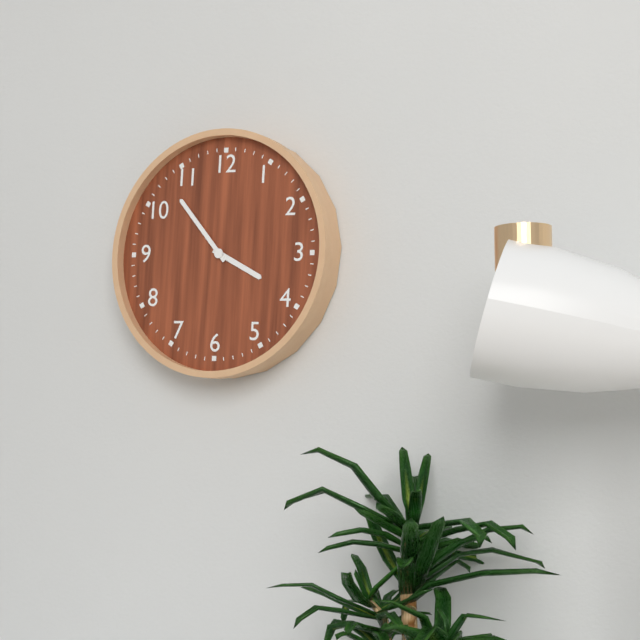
3:53
